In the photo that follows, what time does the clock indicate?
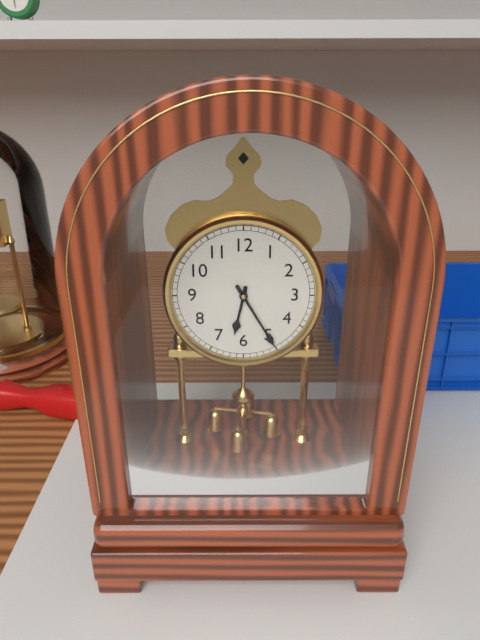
6:25
